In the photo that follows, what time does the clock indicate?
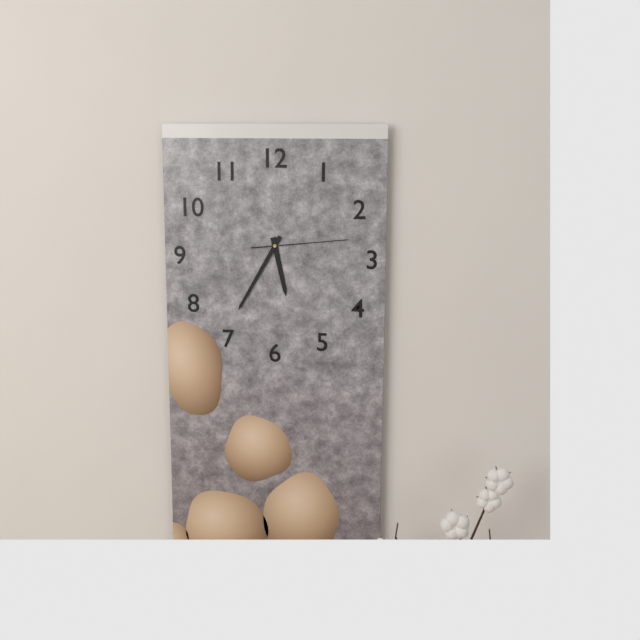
5:35:14
